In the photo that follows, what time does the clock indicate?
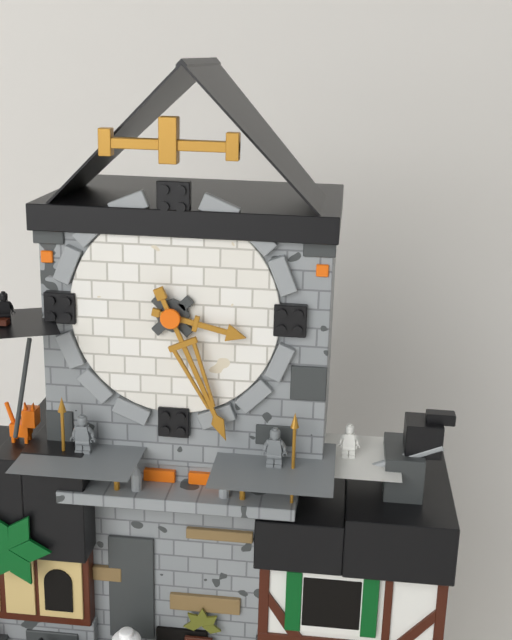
3:26
